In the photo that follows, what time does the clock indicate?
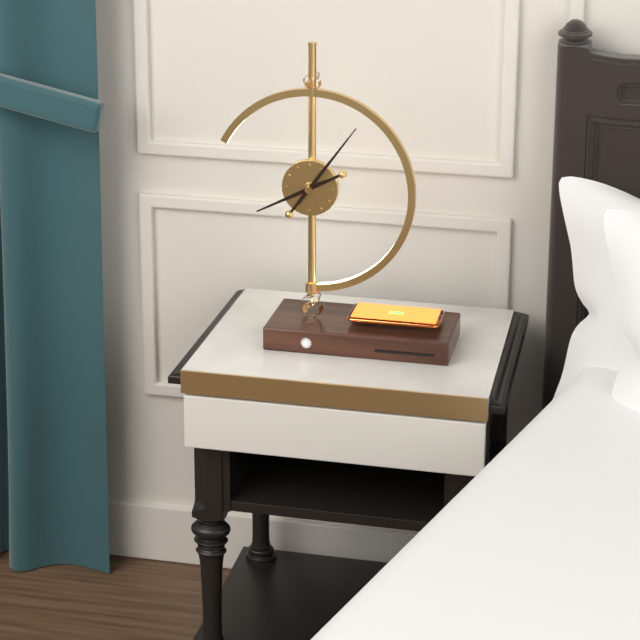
8:06
